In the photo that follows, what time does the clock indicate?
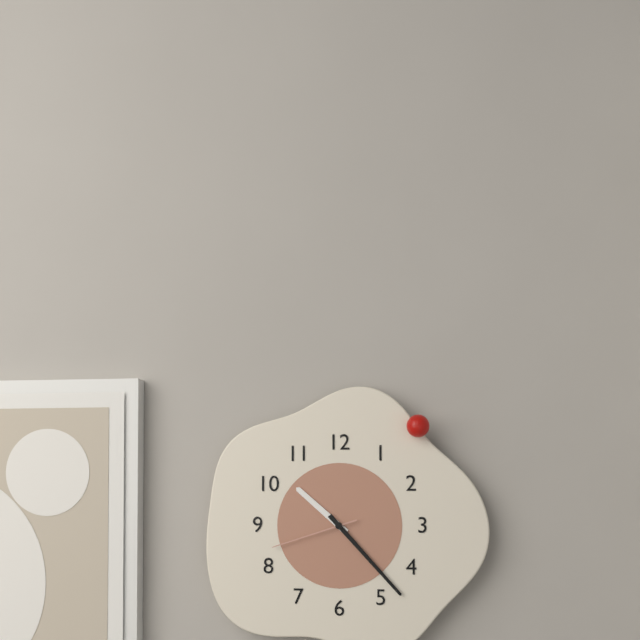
10:23:42
